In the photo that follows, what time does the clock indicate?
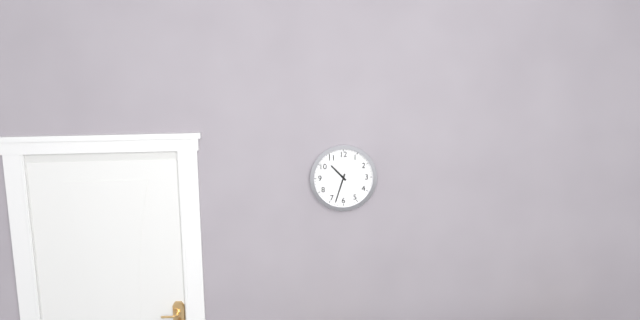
10:33
